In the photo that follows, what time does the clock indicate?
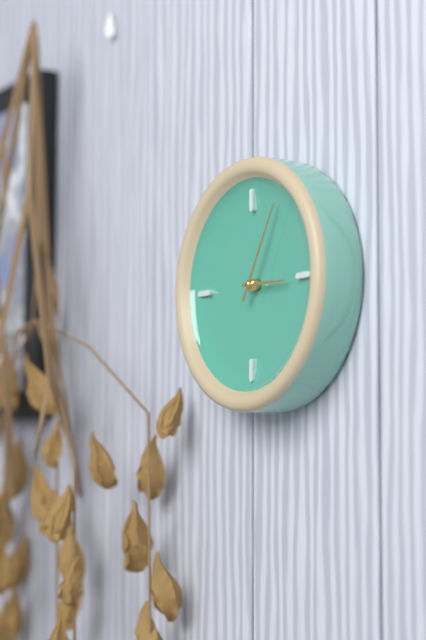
3:05
